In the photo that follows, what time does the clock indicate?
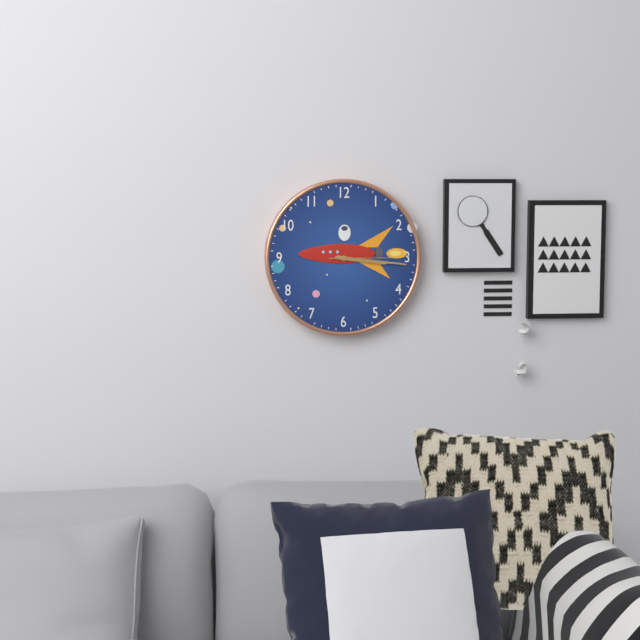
3:16:15
